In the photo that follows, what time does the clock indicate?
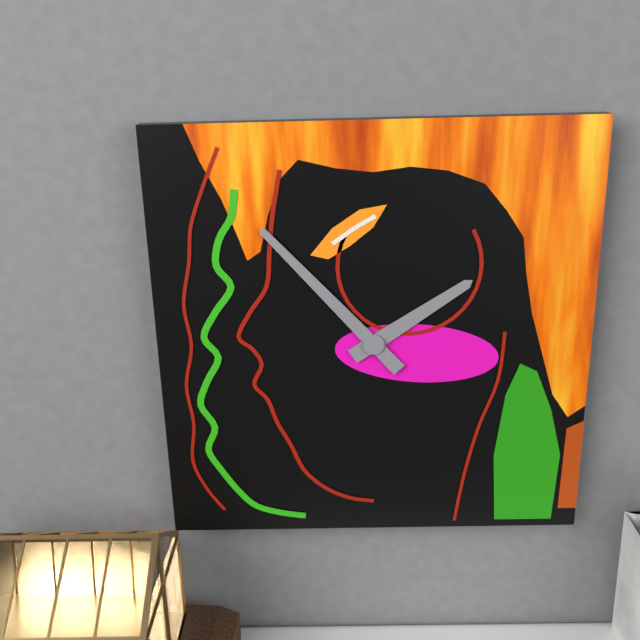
1:53
